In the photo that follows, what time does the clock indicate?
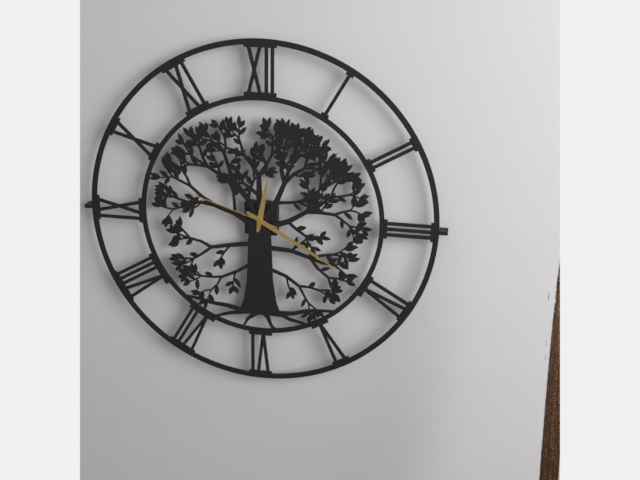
12:20:48
